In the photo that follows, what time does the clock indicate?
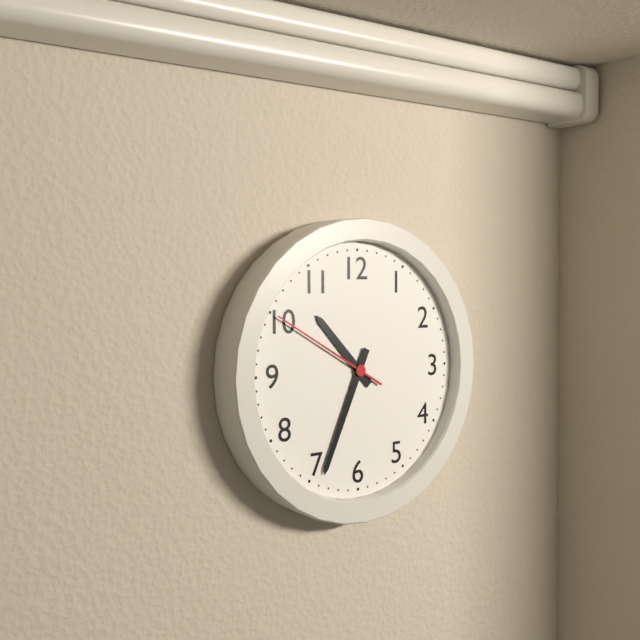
10:34:50
